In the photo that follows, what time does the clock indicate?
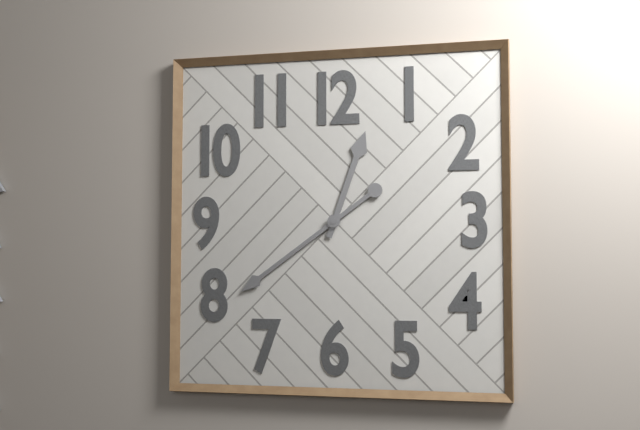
12:39
